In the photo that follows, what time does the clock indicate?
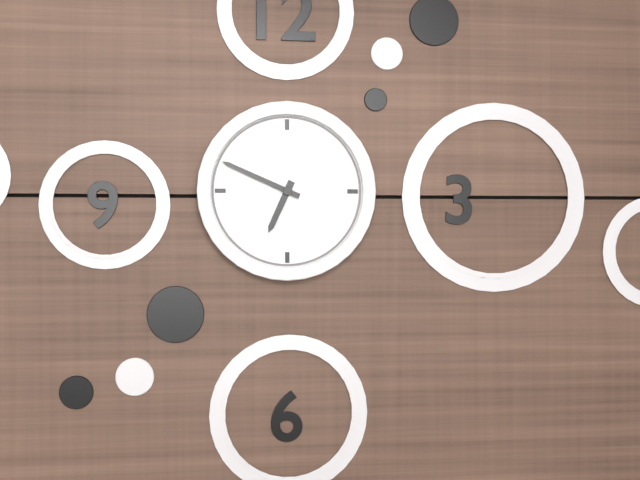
6:49
